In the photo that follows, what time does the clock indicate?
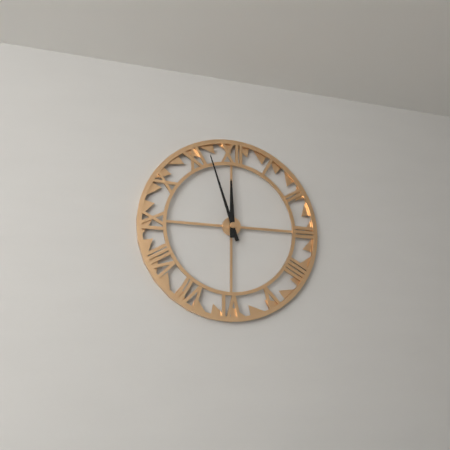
11:57
